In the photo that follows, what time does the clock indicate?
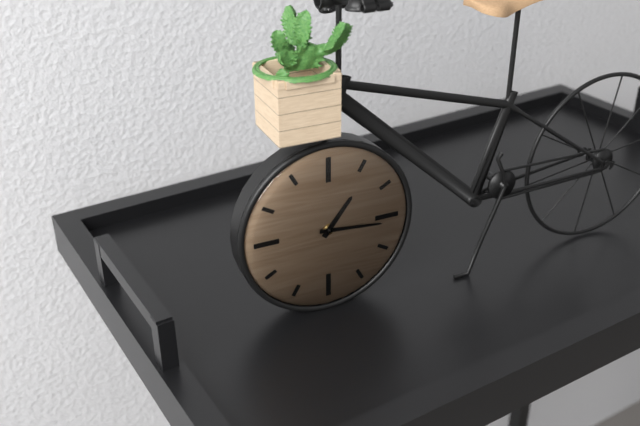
1:16
